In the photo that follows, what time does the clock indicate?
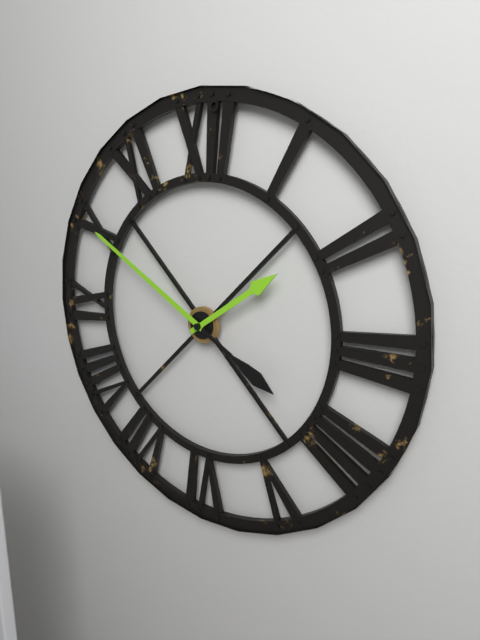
1:50
